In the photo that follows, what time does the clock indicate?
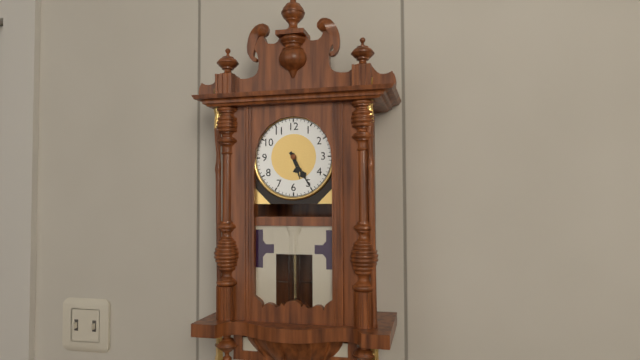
5:25
